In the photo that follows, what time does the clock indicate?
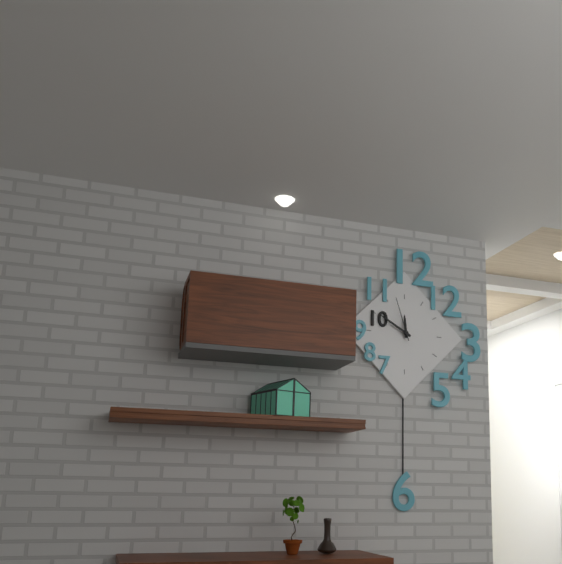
11:50
